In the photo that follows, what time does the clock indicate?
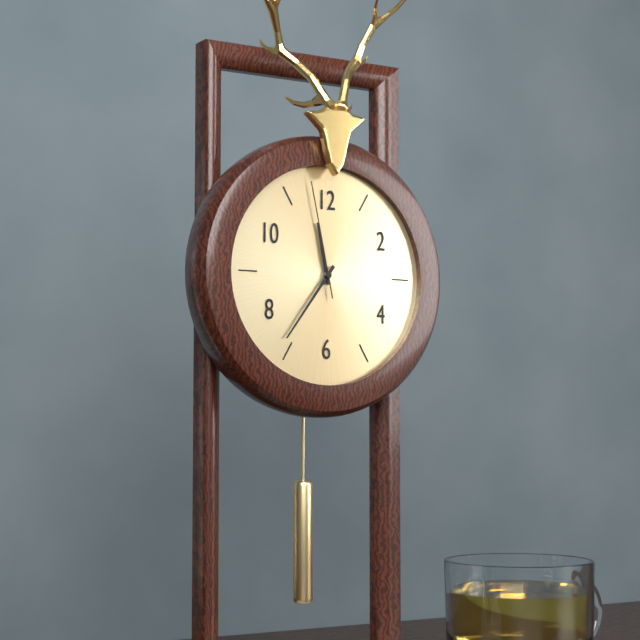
11:36:58
